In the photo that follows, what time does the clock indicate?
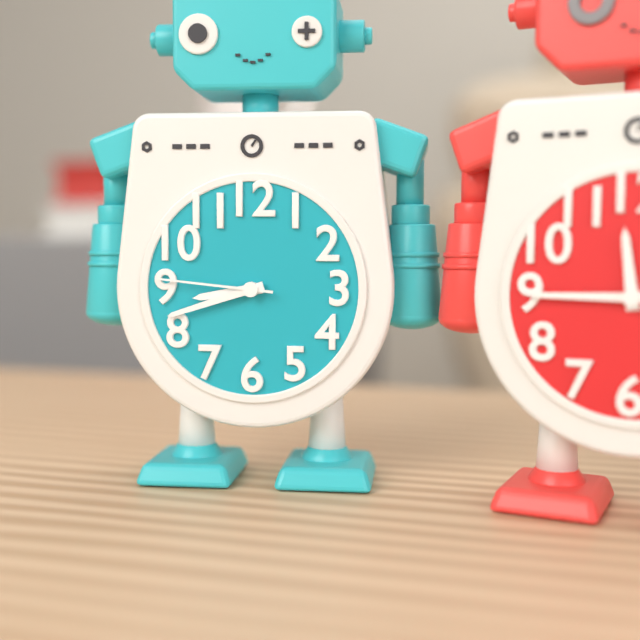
8:42:46
